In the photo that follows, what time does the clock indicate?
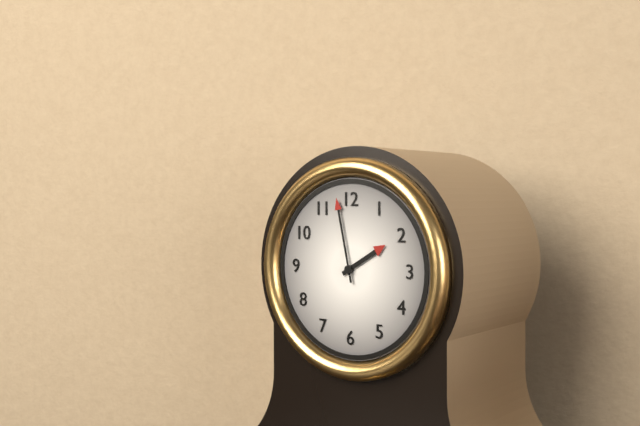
1:58
